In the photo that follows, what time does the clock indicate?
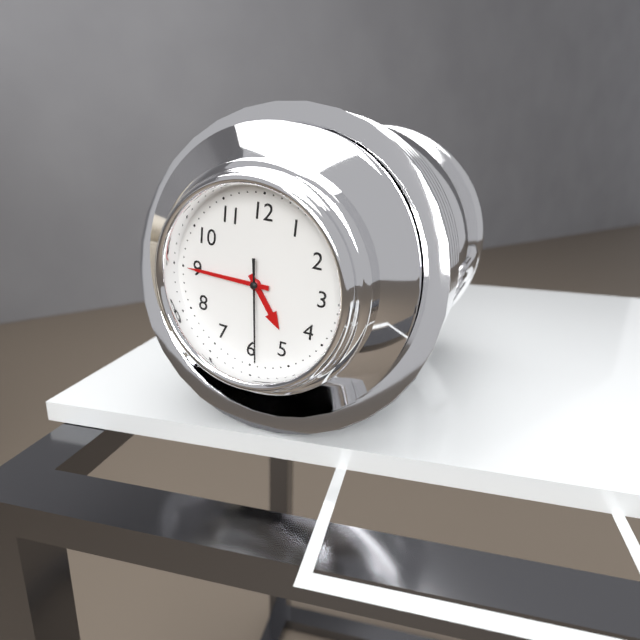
4:45:29
